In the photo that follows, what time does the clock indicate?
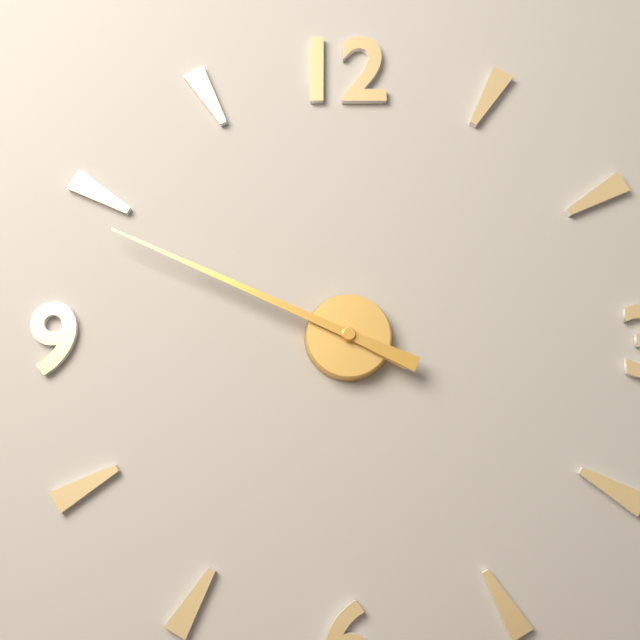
9:49
